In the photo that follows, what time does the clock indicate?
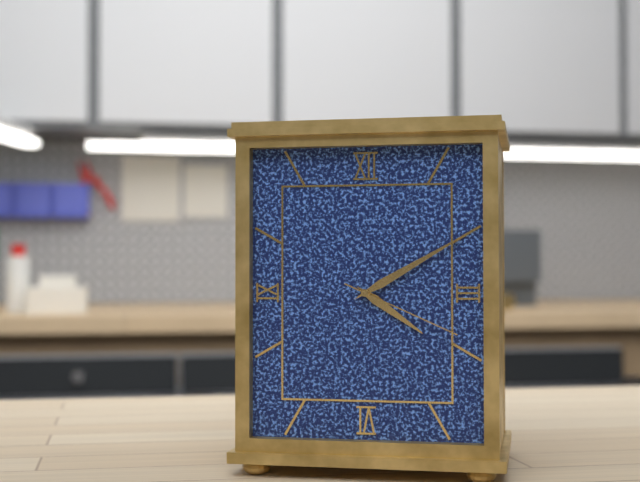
4:10:19
